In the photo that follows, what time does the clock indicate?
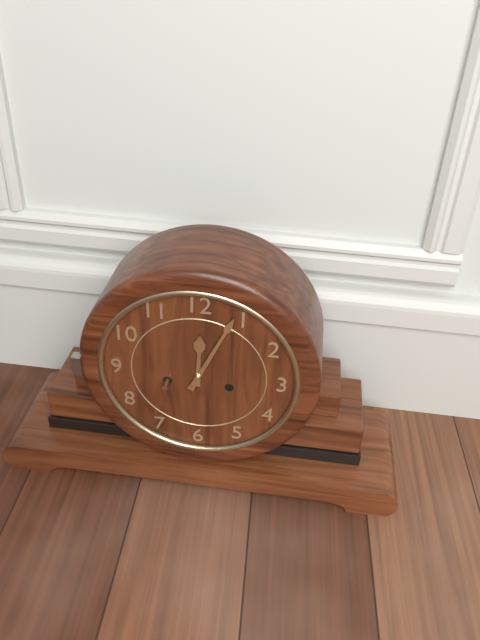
12:04
